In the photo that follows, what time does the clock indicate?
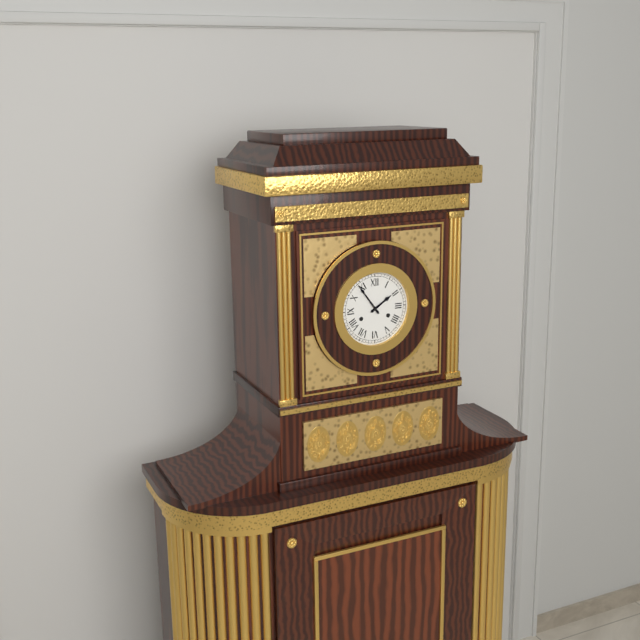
1:54
